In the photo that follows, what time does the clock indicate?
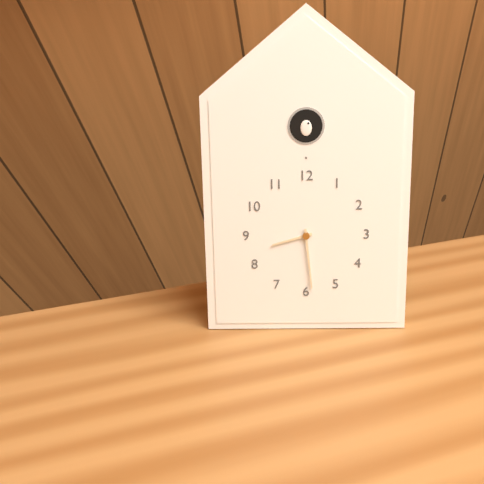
8:29
